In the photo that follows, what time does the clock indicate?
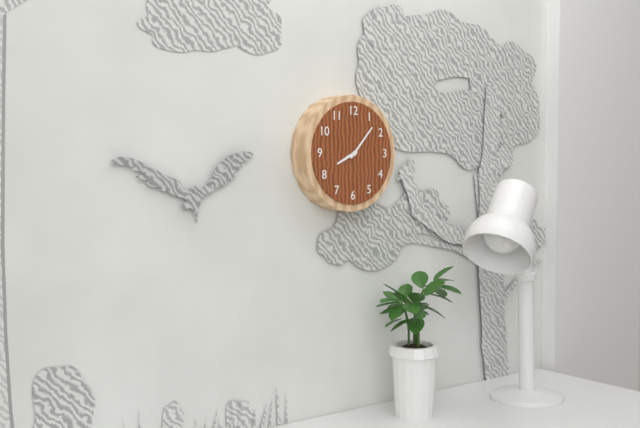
8:07
